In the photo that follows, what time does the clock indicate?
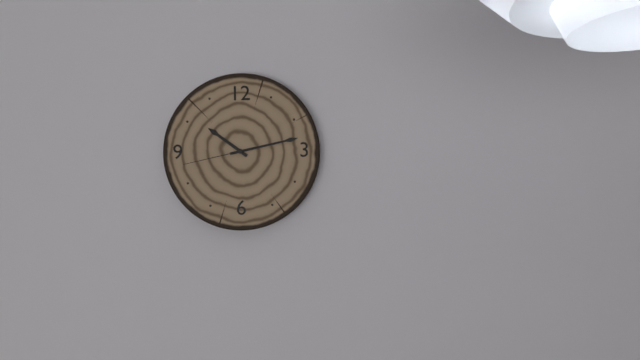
10:13:43
